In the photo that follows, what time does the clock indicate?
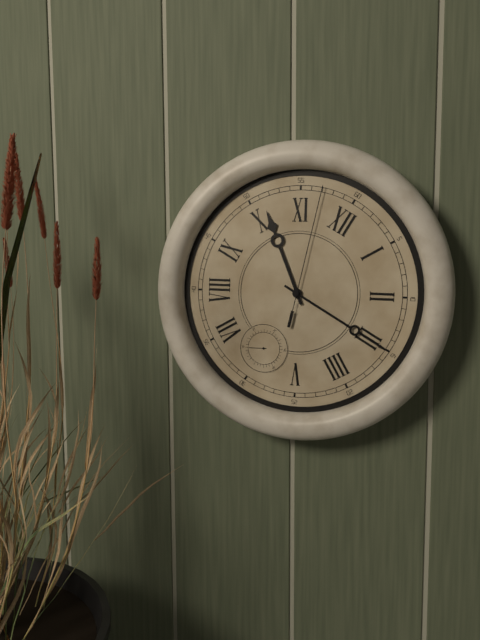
10:15:57
